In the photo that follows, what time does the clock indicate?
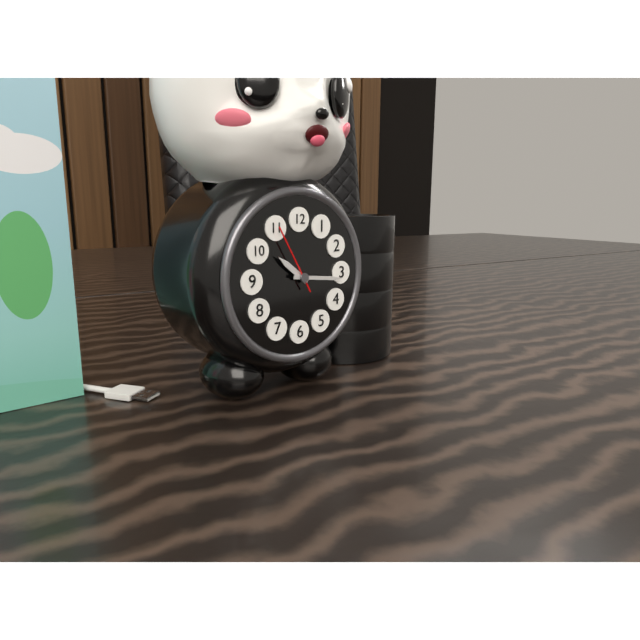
10:16:55
